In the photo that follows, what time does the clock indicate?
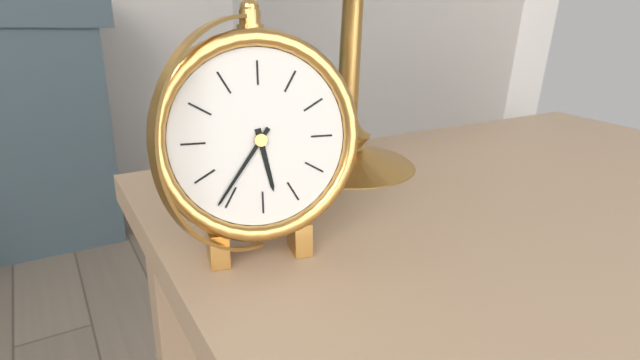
5:36
